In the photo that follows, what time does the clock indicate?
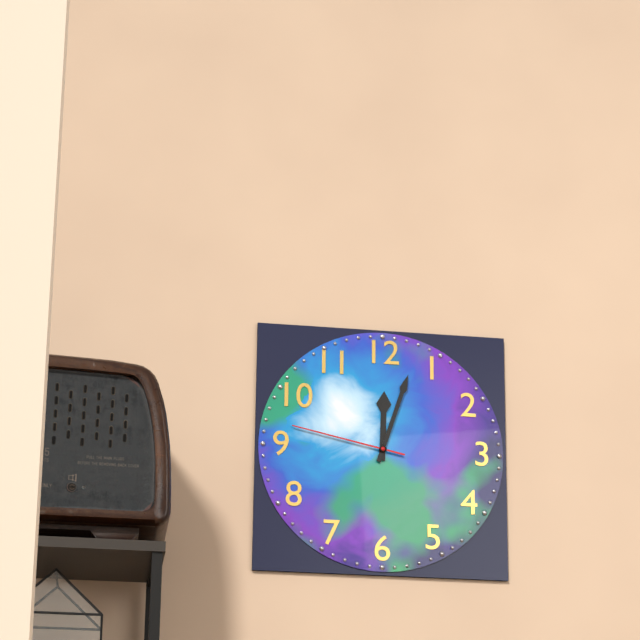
12:03:47
